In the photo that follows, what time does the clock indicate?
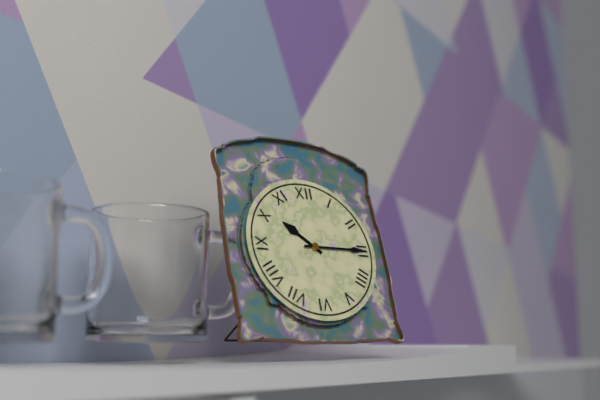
10:15
